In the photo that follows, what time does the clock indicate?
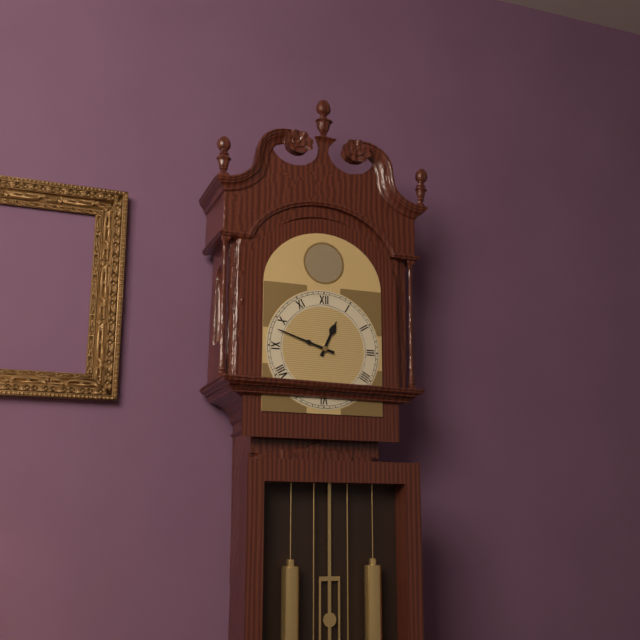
12:48
